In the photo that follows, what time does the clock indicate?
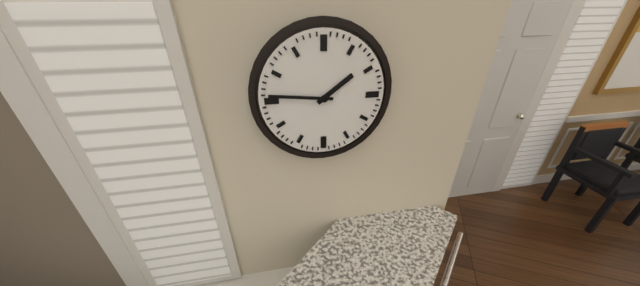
1:46
